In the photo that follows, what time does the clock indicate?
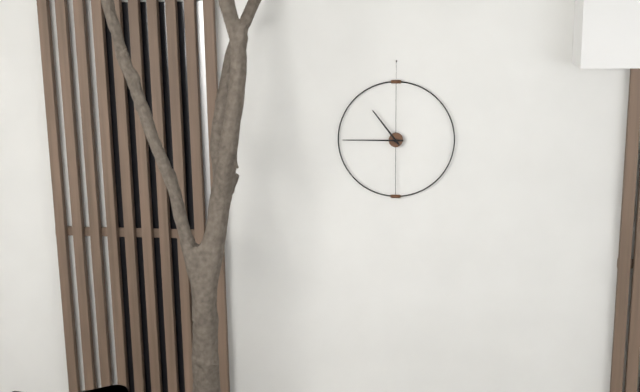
10:45
